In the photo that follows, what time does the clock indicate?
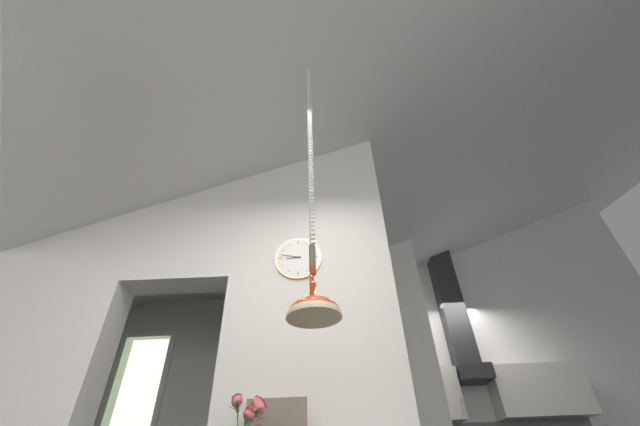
8:47
